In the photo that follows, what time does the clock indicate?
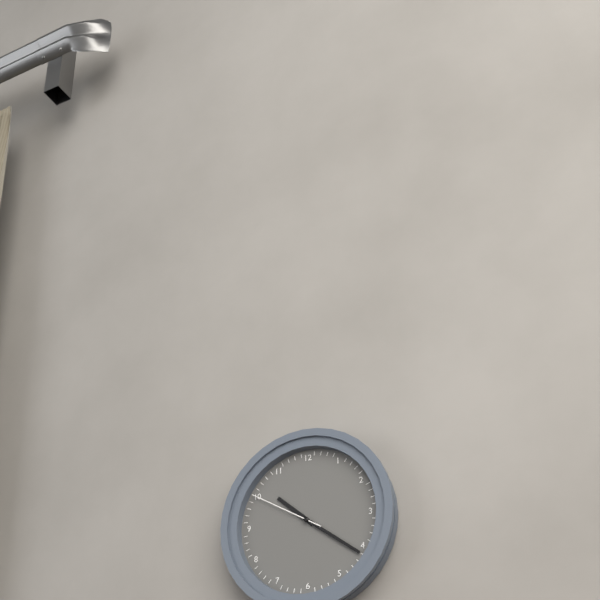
10:21:50
